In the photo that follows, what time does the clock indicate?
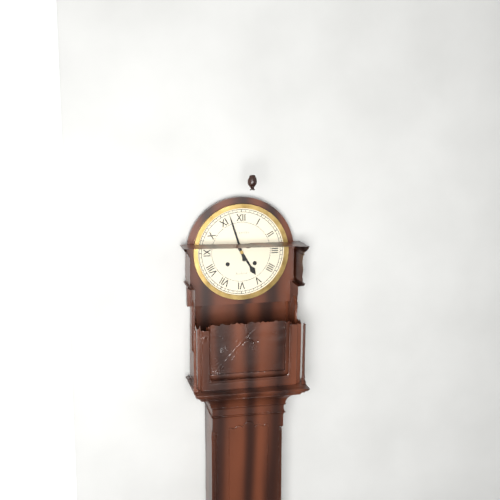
4:57
